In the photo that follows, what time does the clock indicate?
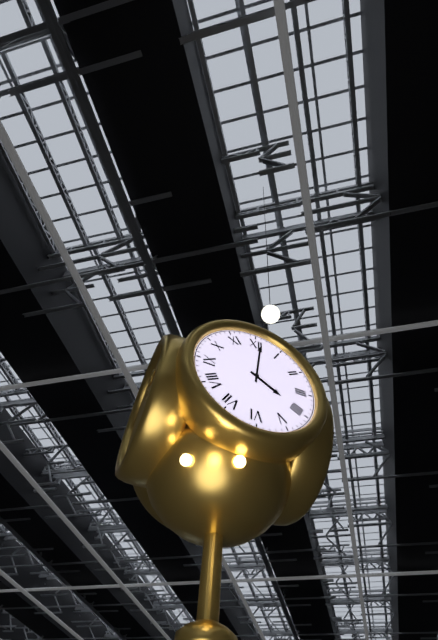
4:01
